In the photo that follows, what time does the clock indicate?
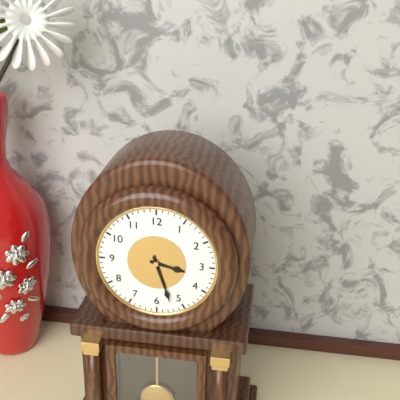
3:27
